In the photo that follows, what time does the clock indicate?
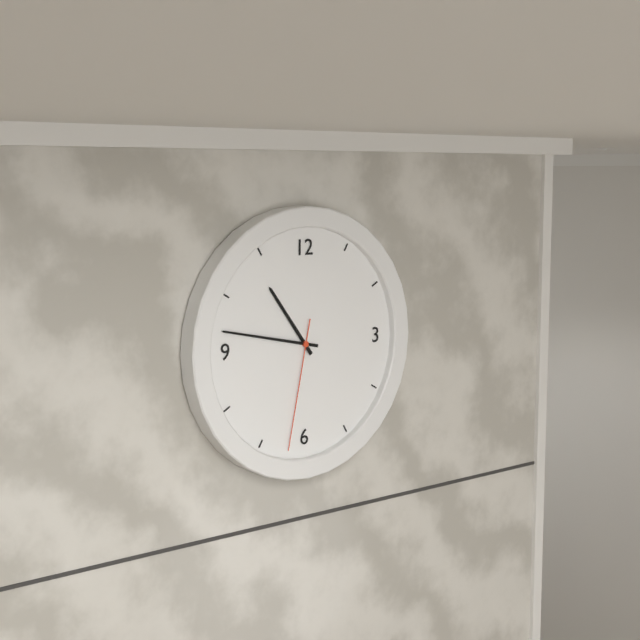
10:47:32
